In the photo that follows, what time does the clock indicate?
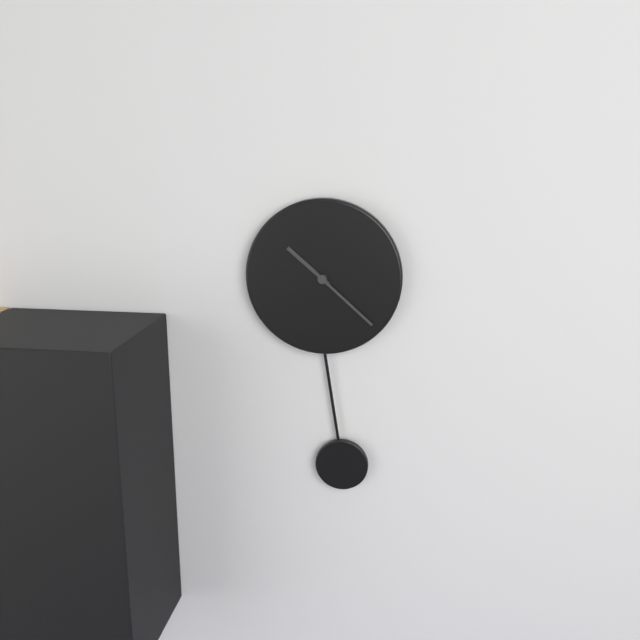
10:22
